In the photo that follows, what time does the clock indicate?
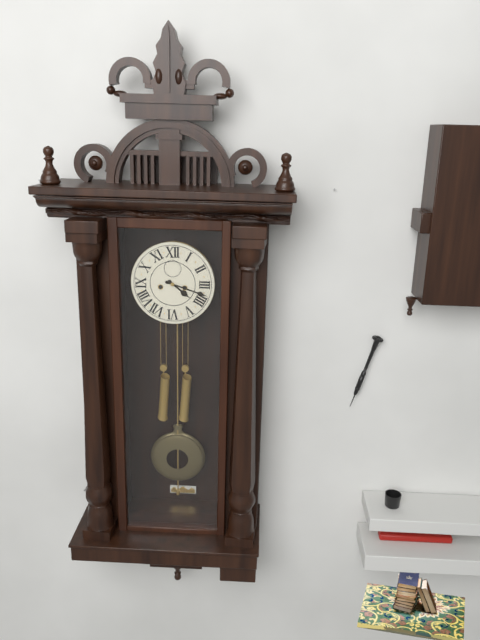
4:18
